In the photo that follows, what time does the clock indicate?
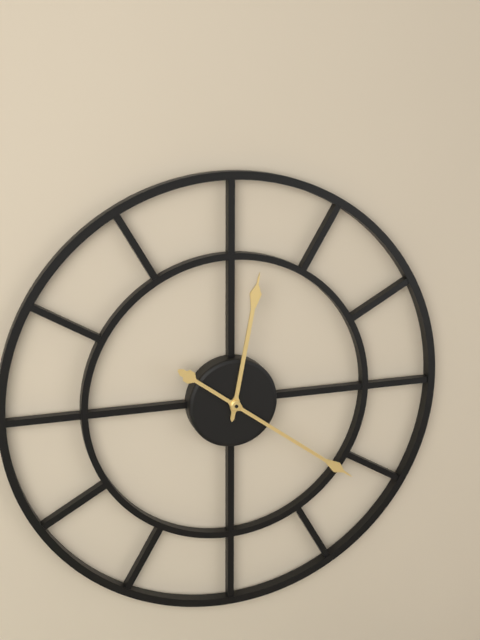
12:21
